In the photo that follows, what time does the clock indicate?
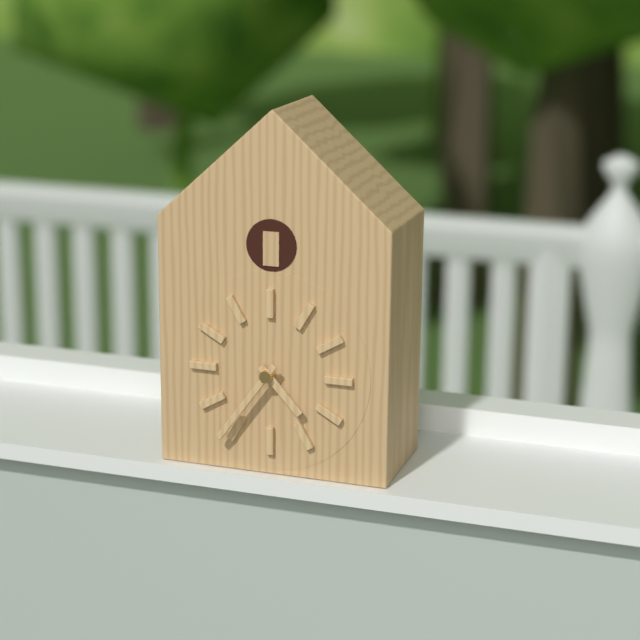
4:36
